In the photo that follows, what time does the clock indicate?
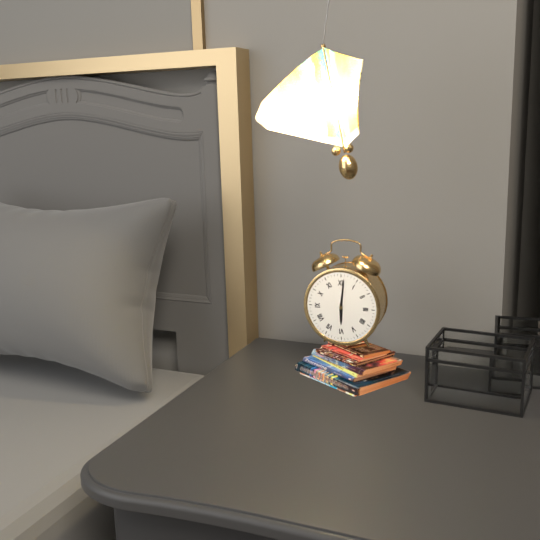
6:01
